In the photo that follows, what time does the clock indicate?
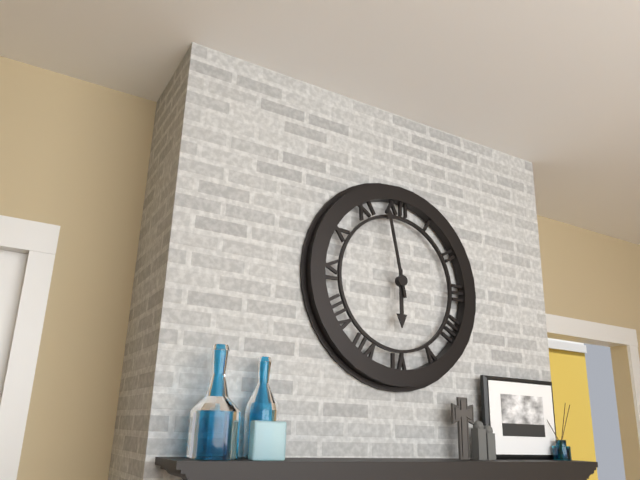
5:58
